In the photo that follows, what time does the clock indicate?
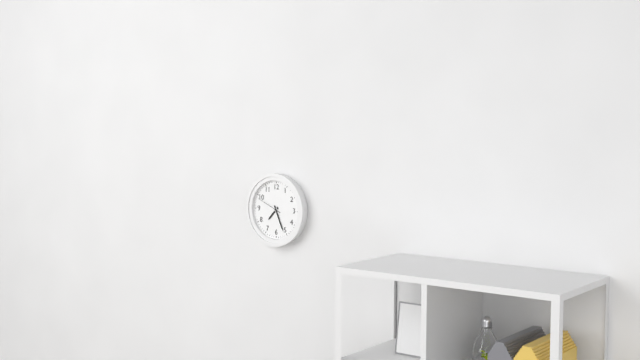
7:26
